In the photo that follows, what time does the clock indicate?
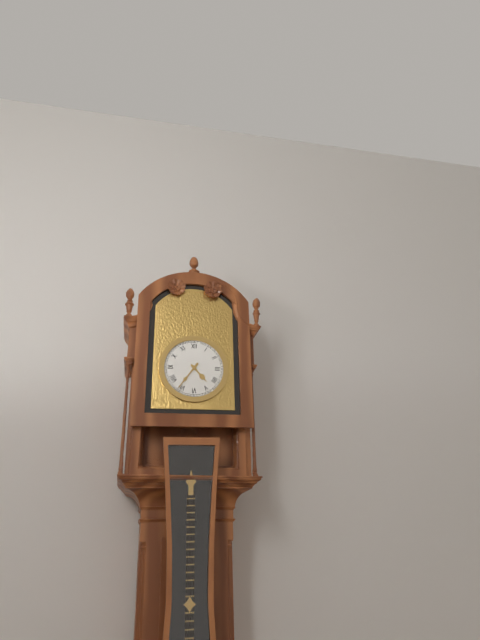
4:36
